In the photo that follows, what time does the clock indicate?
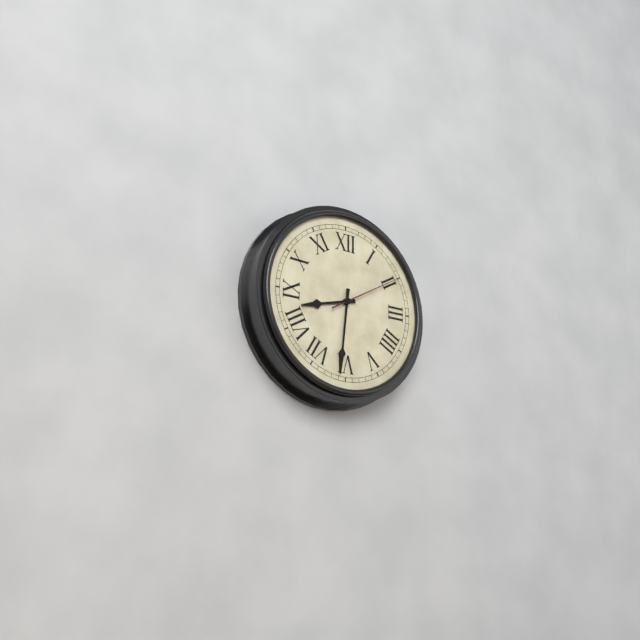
8:31:10
